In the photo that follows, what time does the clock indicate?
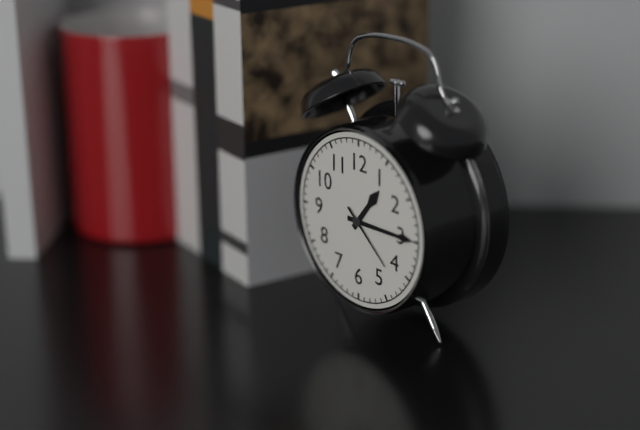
1:15:22
